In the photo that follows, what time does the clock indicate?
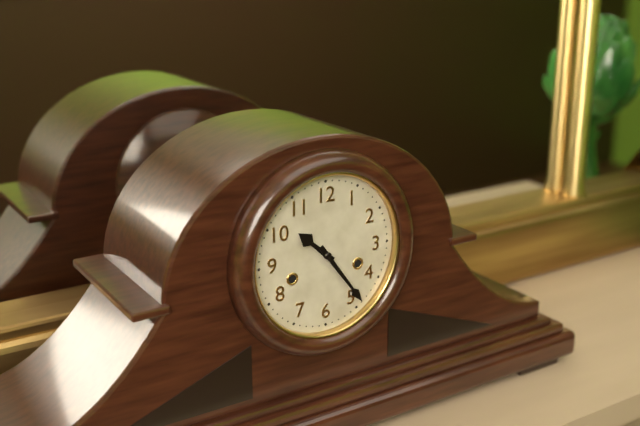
10:24
